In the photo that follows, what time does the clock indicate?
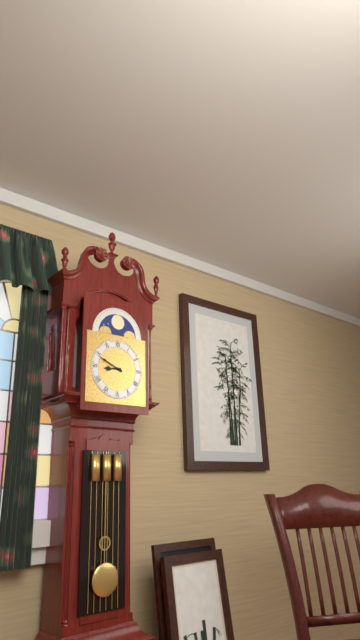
8:49
